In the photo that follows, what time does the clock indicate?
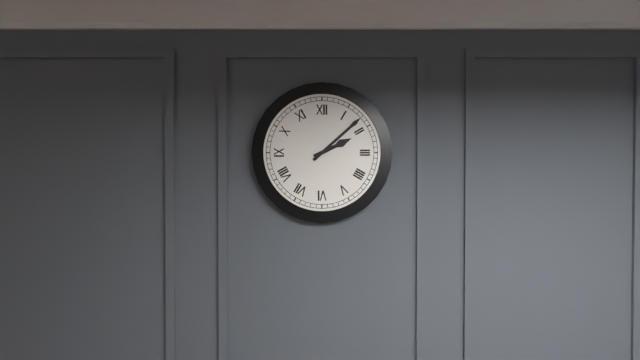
2:08
